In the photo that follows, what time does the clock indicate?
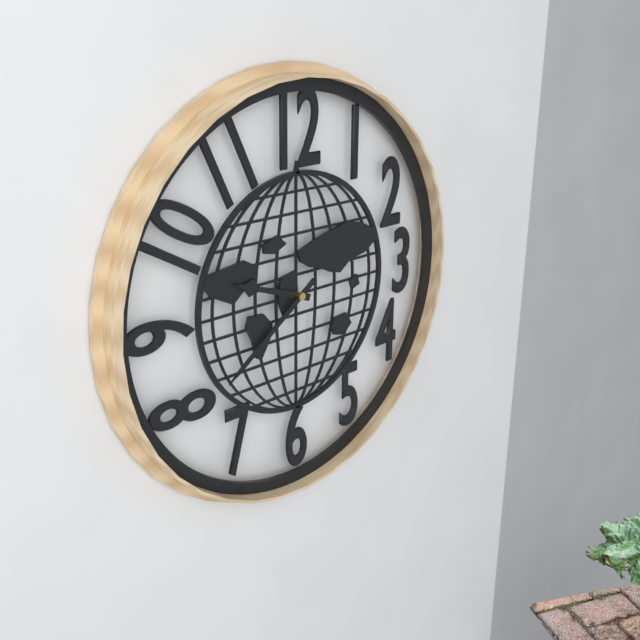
9:39
